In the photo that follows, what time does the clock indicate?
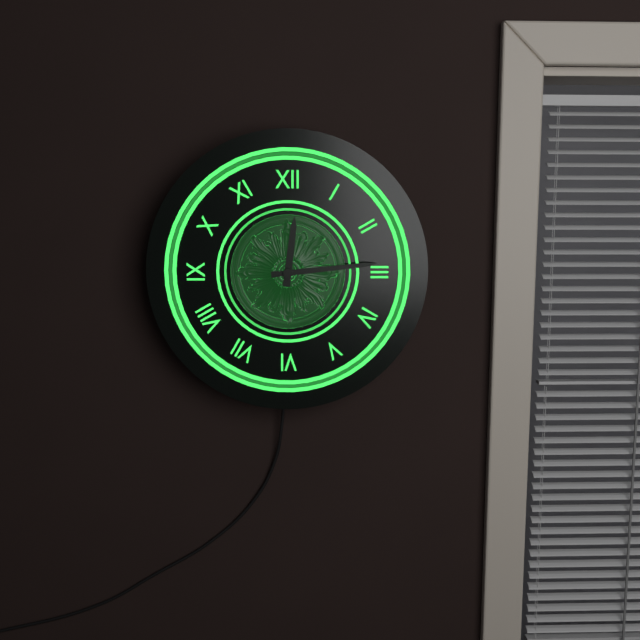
12:14
